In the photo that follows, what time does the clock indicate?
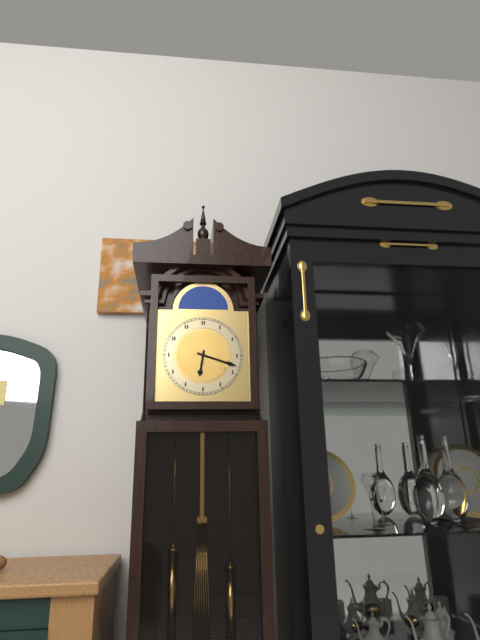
6:18
